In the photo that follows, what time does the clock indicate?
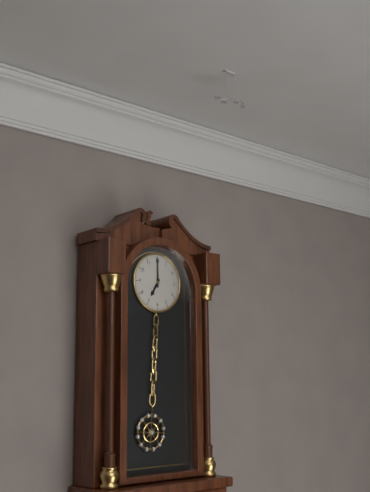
7:00
